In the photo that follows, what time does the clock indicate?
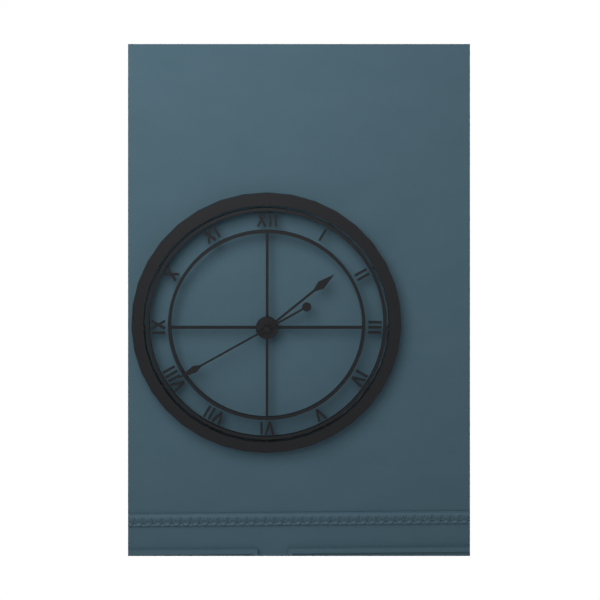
1:40
